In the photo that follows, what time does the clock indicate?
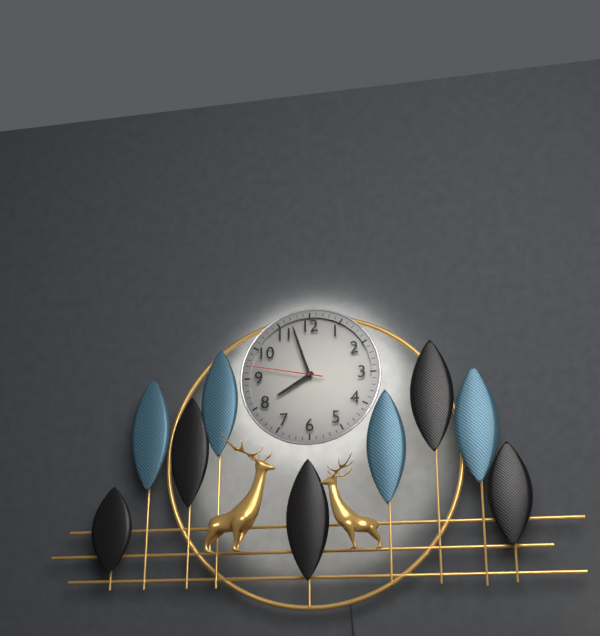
7:57:47
